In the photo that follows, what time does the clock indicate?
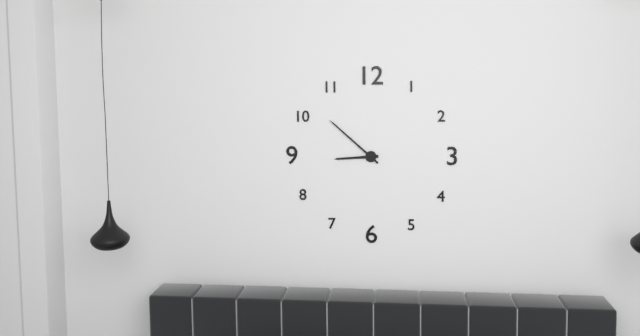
8:52
